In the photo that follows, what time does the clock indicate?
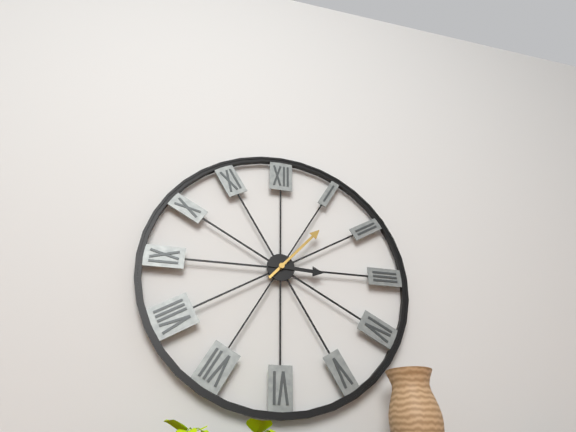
3:07
